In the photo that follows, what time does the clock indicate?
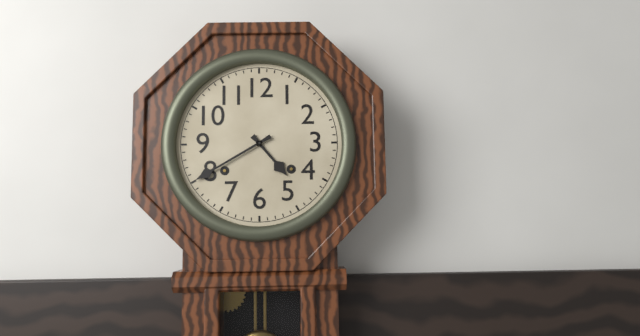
4:40
